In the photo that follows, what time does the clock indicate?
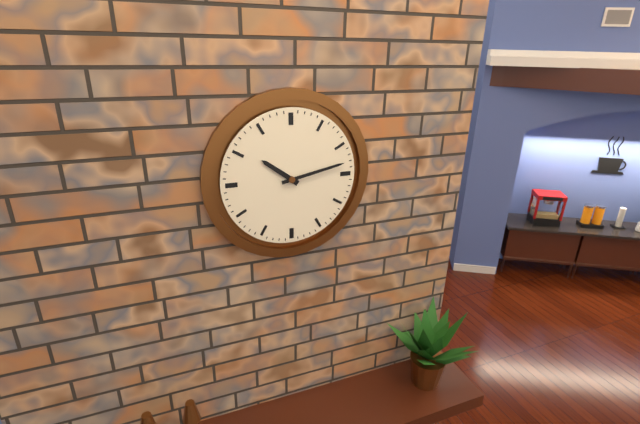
10:13
